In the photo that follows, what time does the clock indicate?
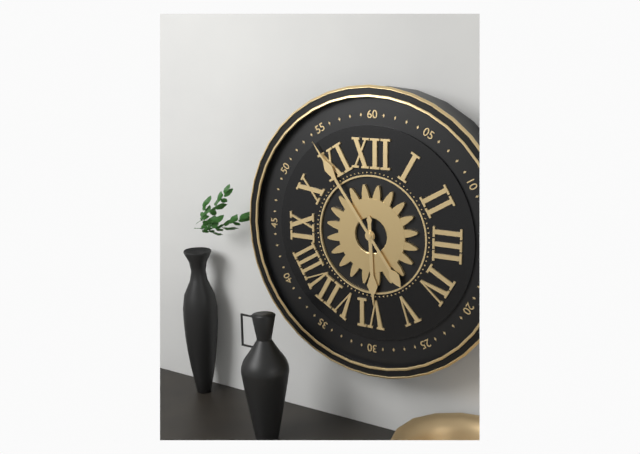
5:54
